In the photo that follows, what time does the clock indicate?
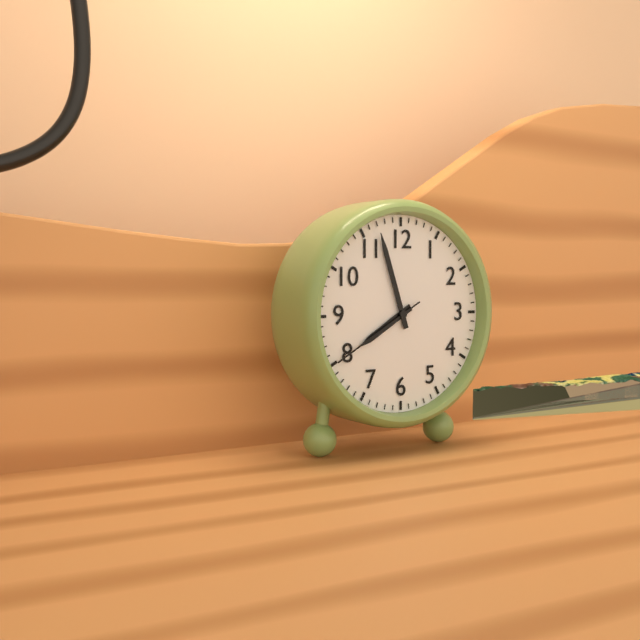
7:57:40
